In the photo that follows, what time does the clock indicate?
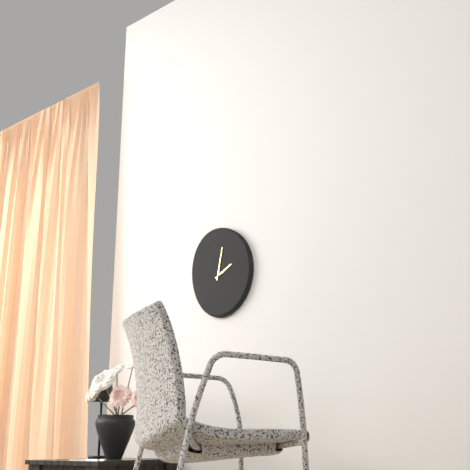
2:02
